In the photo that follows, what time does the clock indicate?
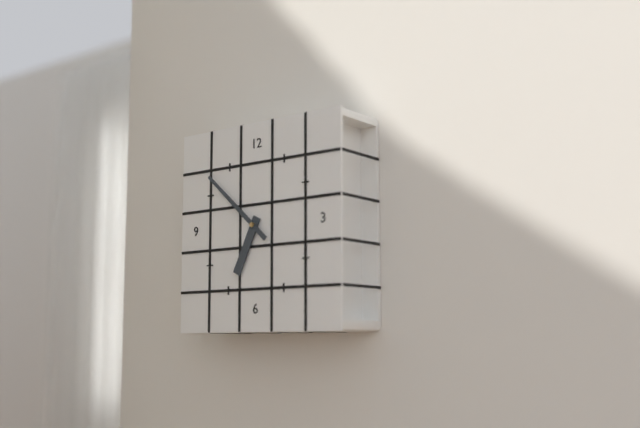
6:52
